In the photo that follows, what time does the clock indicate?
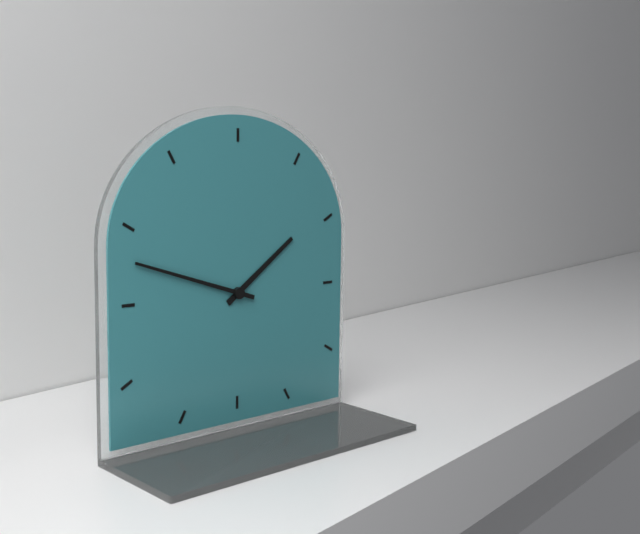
1:48
